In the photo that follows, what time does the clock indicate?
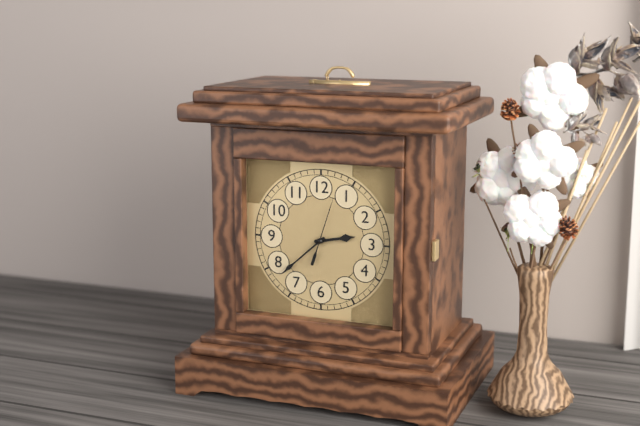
2:38:03
